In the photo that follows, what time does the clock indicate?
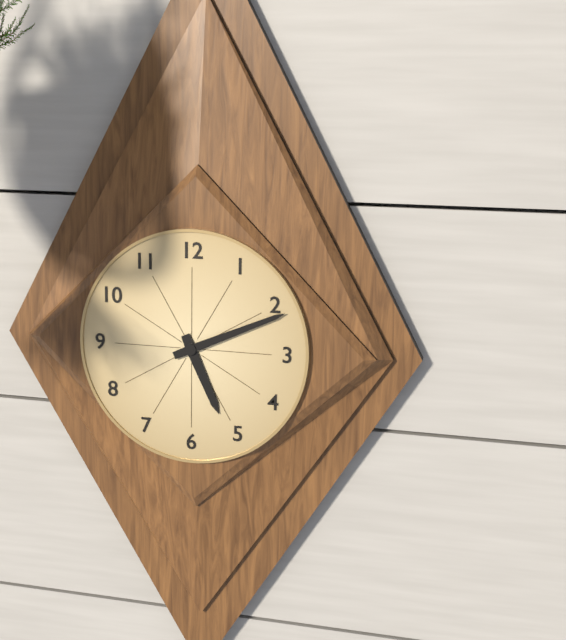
5:11
